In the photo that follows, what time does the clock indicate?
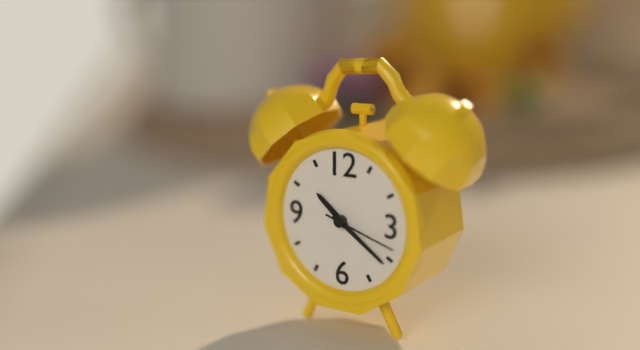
10:21:18
